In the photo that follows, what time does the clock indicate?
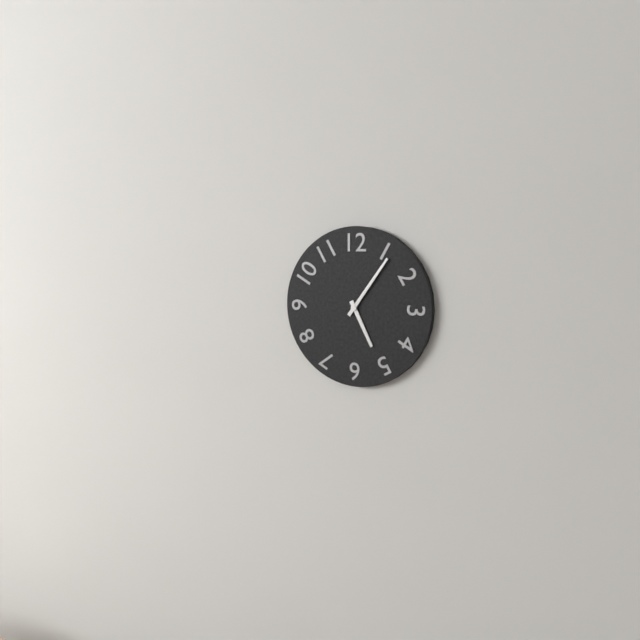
5:06
